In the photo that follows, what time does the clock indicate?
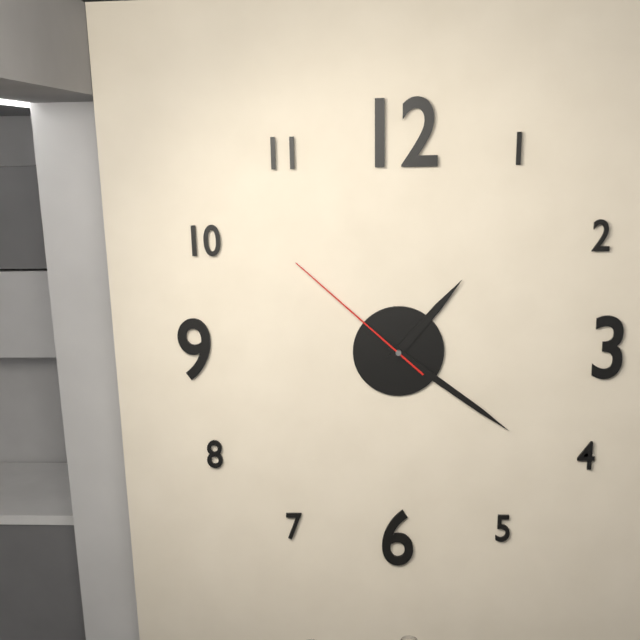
1:21:52
